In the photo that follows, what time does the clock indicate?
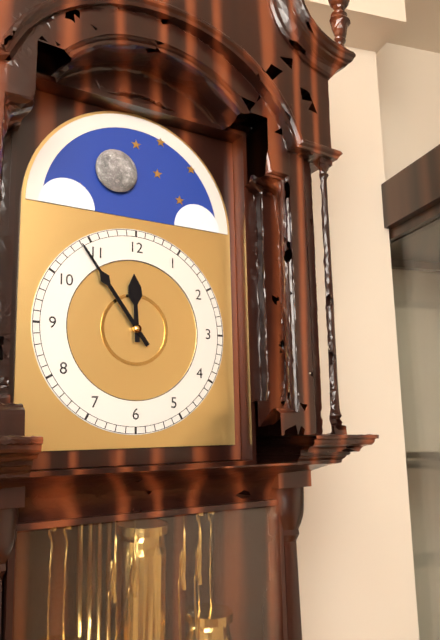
11:54
